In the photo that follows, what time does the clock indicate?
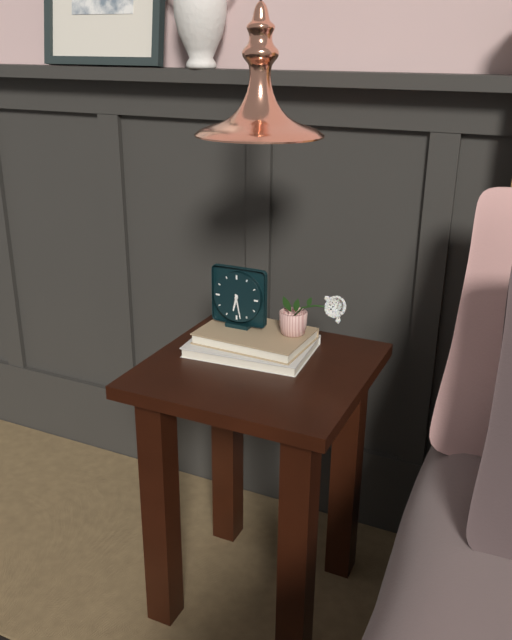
6:28
